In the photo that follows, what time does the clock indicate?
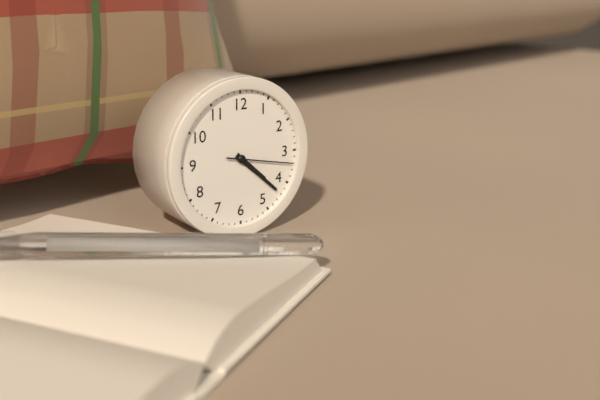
4:22:17
